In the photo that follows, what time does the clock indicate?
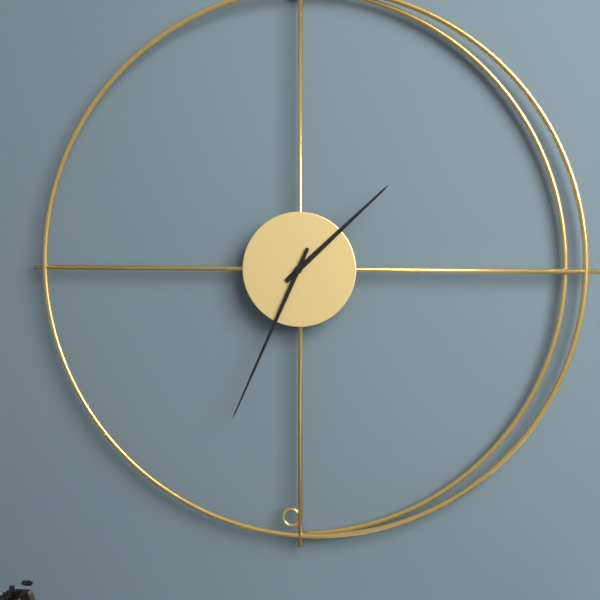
1:34
